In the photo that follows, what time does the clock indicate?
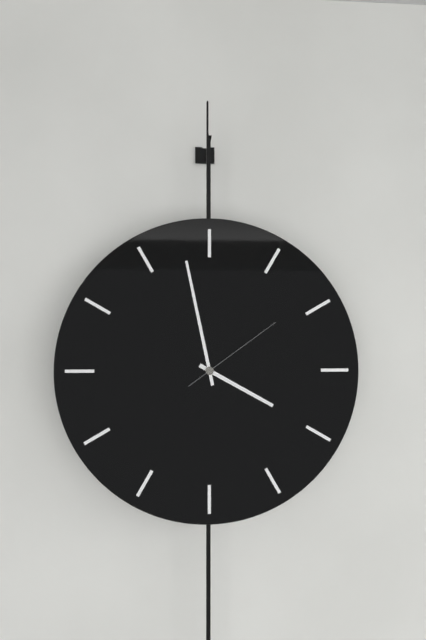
3:58:09
